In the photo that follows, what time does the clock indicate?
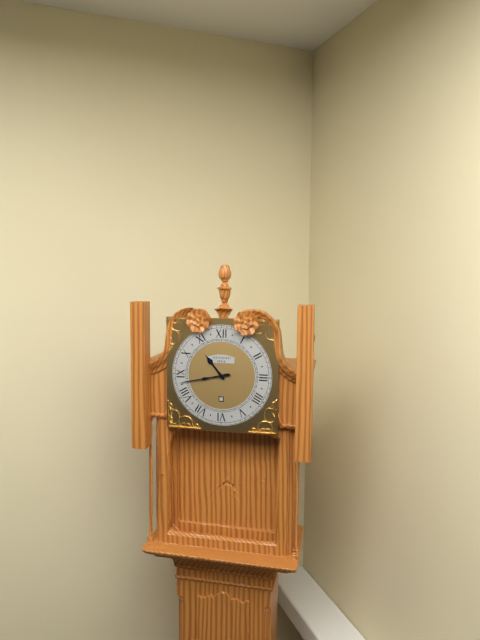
10:43
